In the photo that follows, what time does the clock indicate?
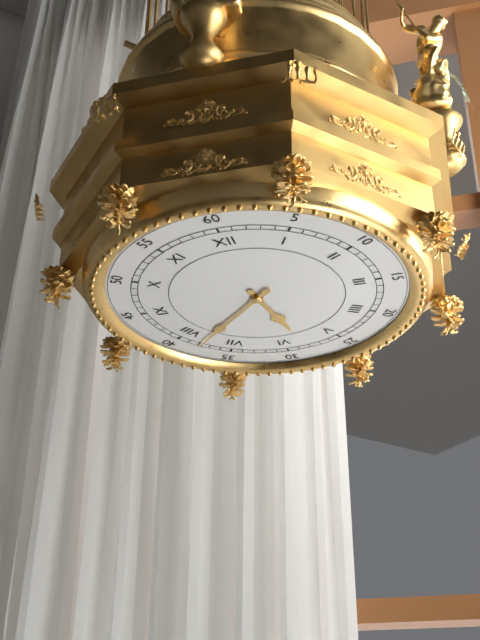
5:38
